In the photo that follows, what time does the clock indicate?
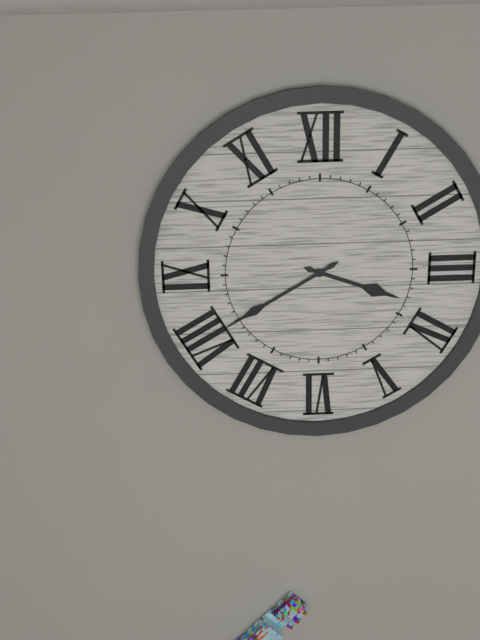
3:40
